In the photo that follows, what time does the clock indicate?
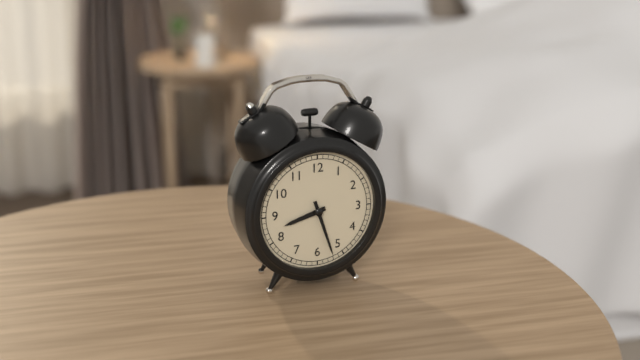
8:27
